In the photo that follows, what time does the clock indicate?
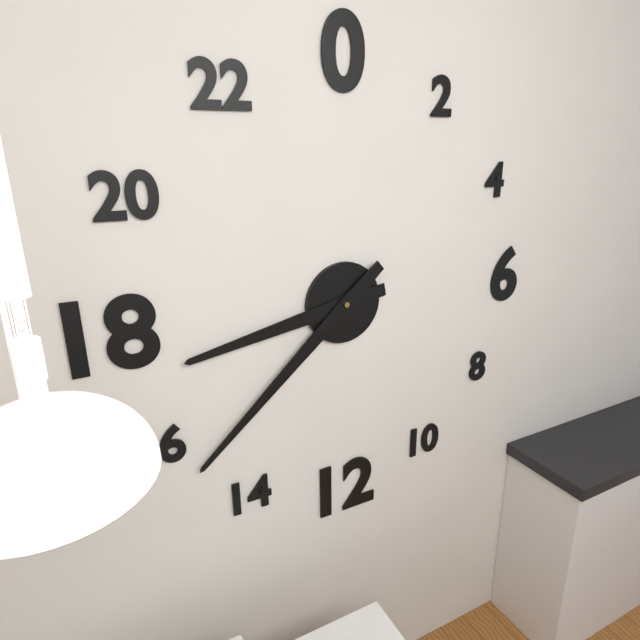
8:38
